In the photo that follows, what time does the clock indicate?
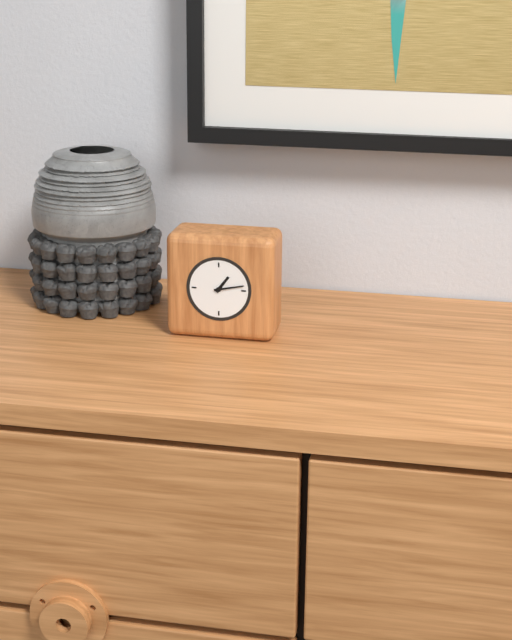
1:13
